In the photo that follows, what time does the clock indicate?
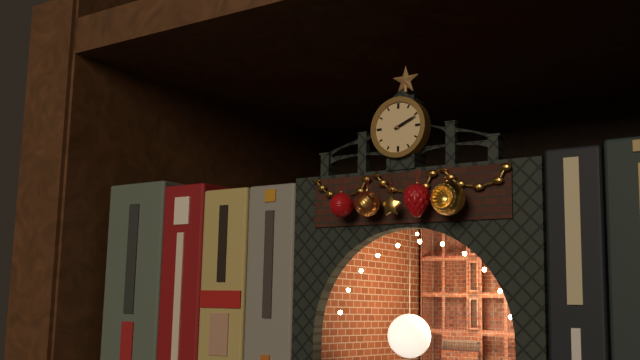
2:11
